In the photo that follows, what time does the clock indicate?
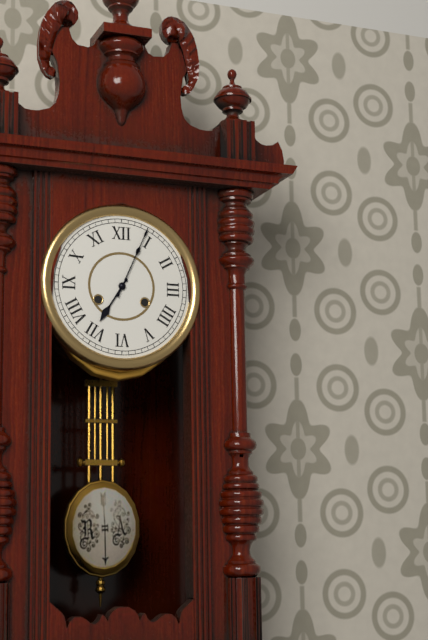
7:04
